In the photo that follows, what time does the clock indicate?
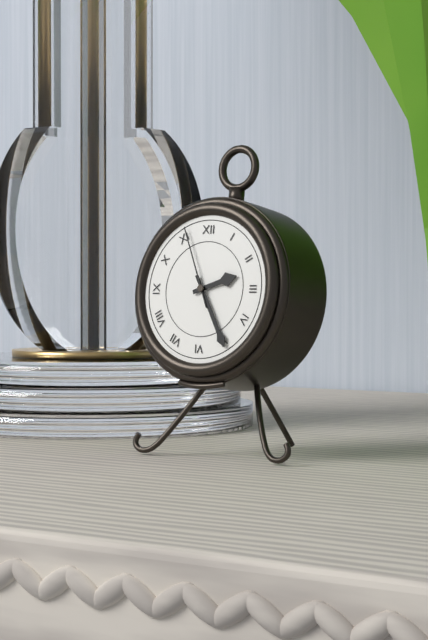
2:25:56
